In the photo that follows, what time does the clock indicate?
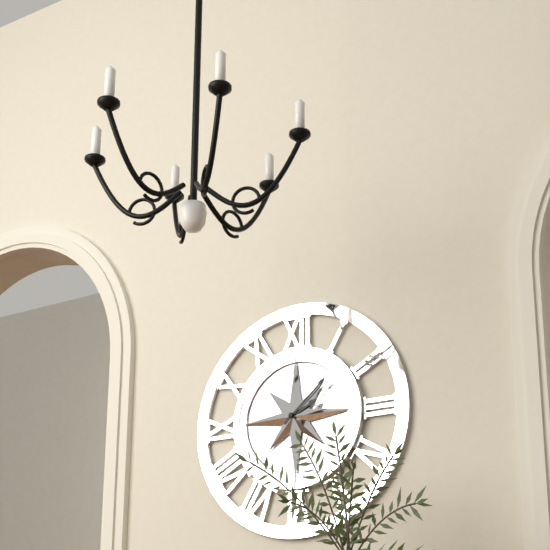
2:08
